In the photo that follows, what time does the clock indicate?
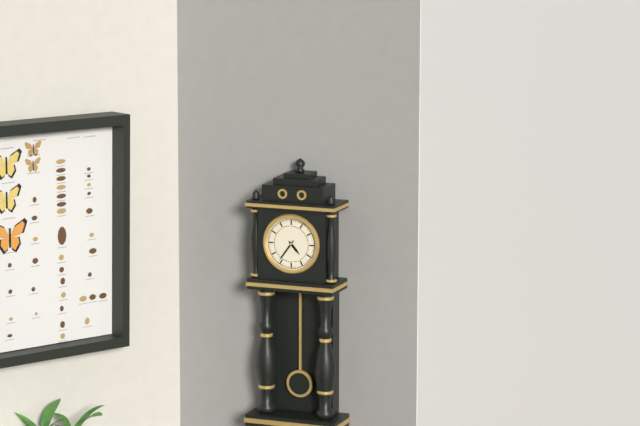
4:36
